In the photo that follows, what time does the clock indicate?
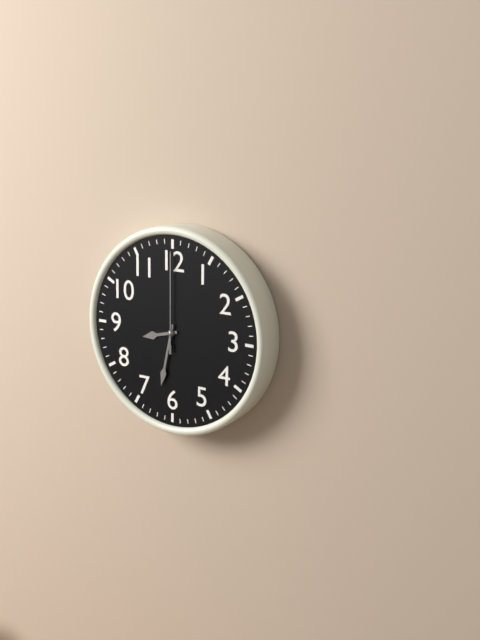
8:32:00
